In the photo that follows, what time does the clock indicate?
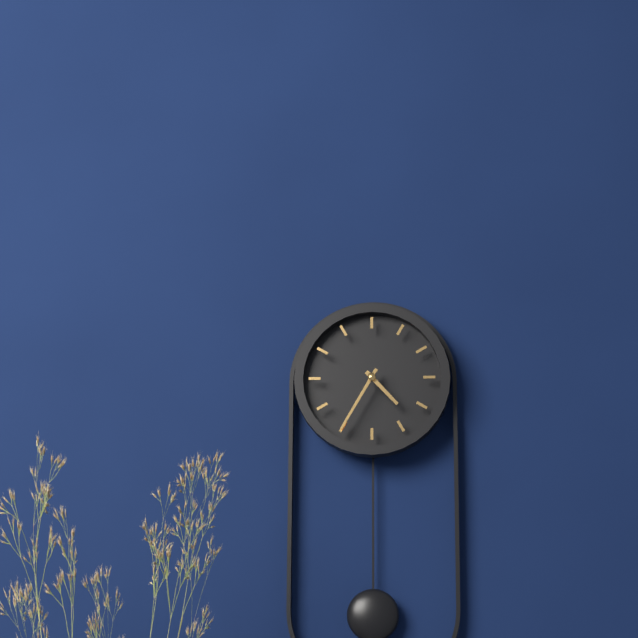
4:35
